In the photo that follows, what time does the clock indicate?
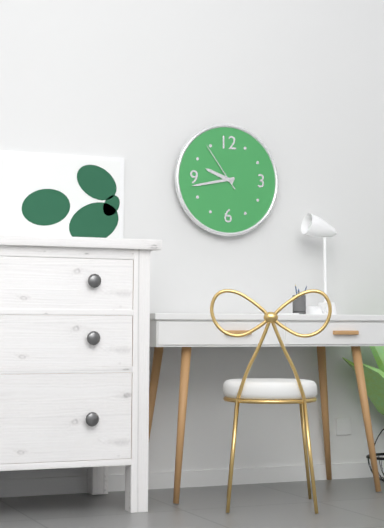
9:43:54
